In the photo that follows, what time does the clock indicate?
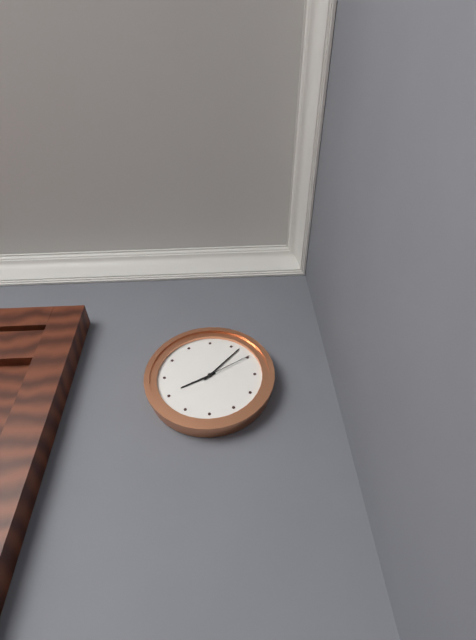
8:07:10
